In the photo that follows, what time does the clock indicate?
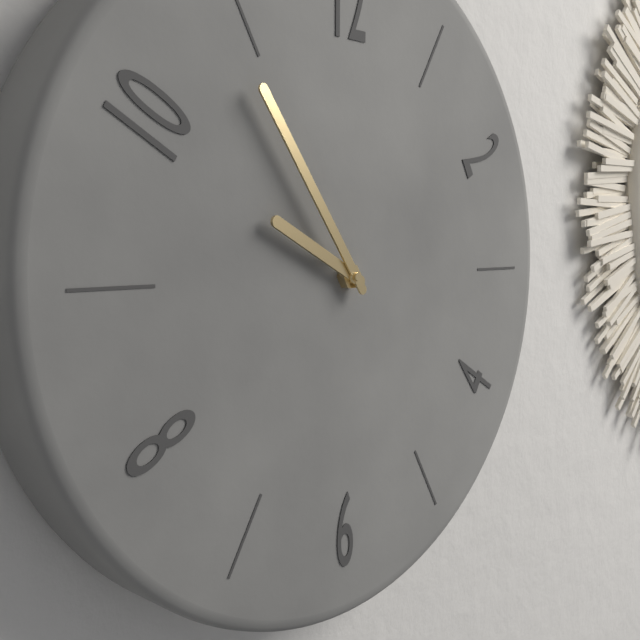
9:54
